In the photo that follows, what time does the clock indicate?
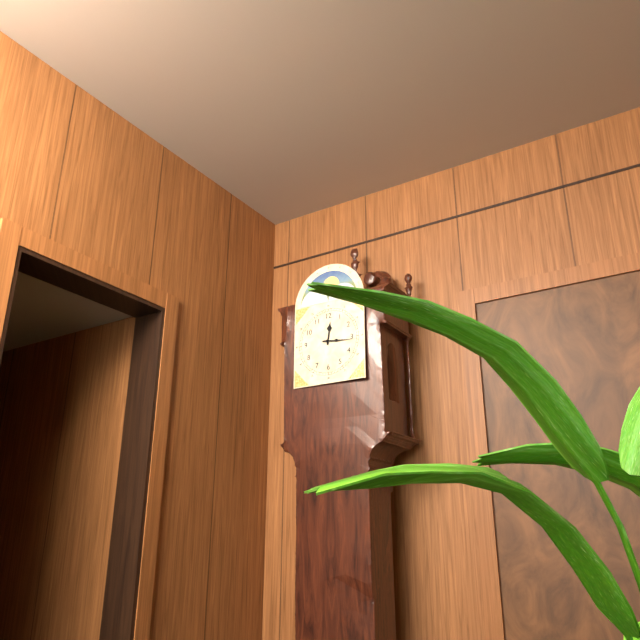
12:16
